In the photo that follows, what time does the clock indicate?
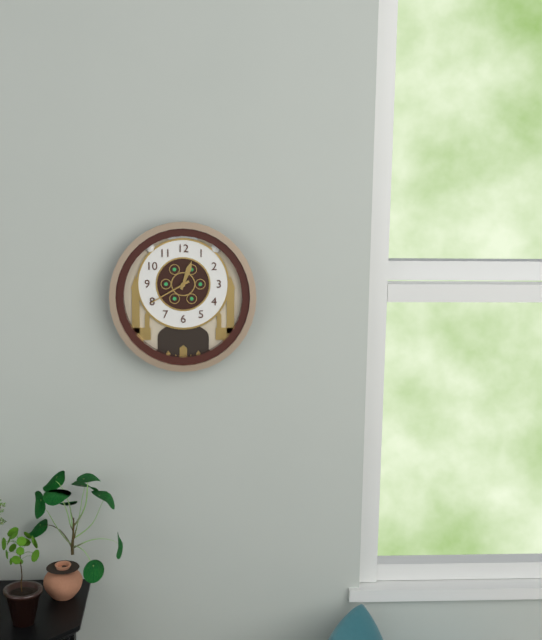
12:40
